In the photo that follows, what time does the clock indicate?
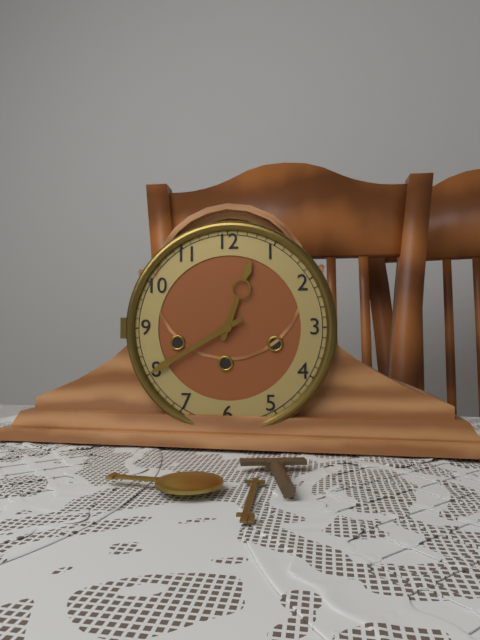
12:40
